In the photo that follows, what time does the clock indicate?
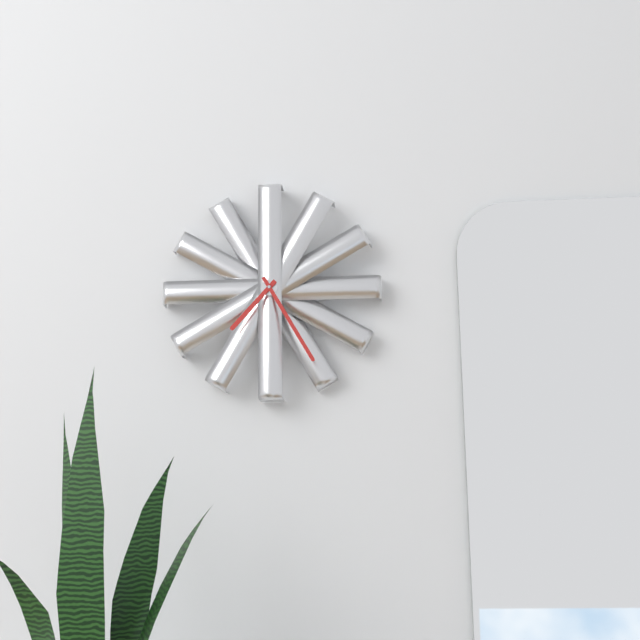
7:25
